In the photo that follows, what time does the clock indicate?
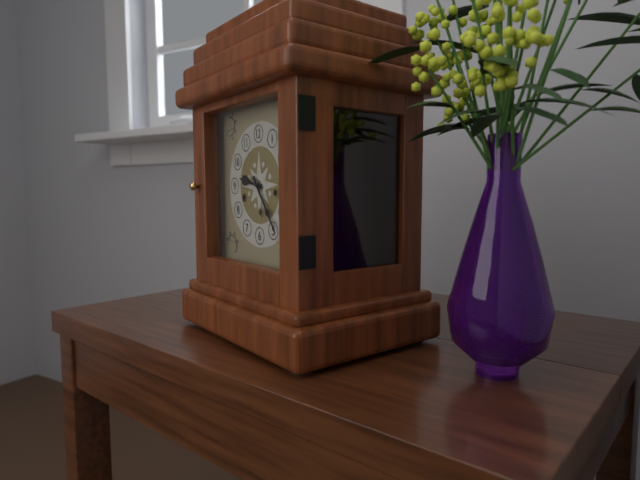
9:24
